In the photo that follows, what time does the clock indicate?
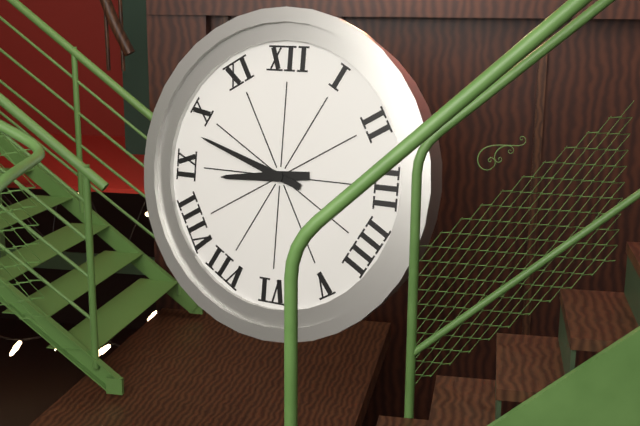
8:48
